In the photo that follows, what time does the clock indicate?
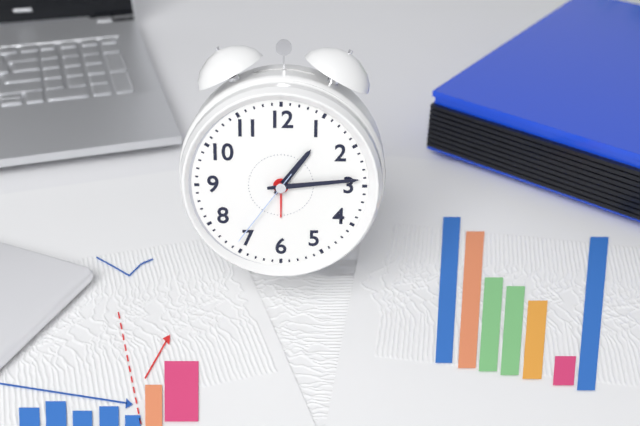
1:14:36
